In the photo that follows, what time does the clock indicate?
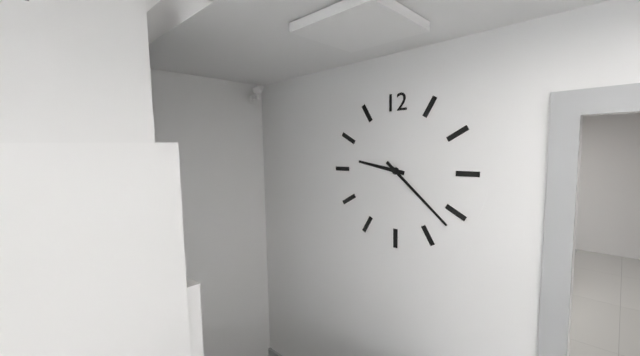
9:22
